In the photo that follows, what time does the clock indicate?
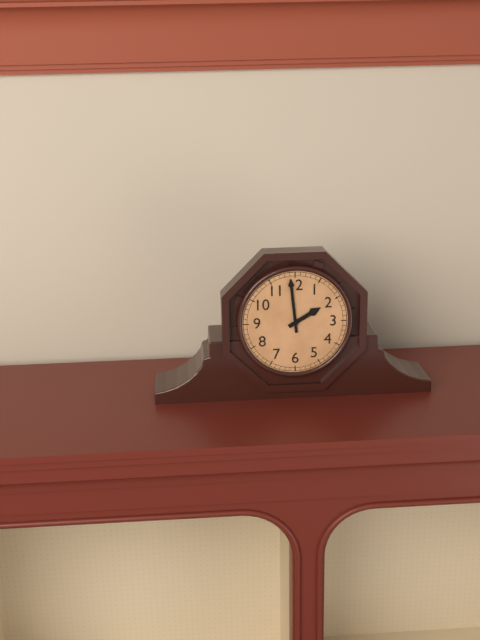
1:59
